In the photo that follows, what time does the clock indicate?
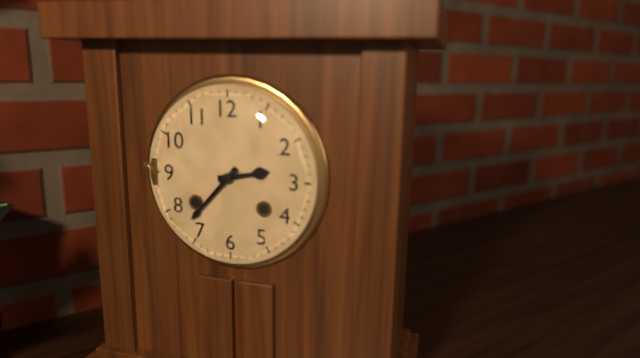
2:37
